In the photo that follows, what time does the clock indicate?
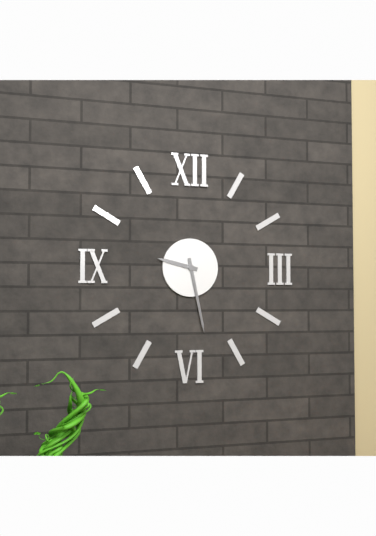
9:28
